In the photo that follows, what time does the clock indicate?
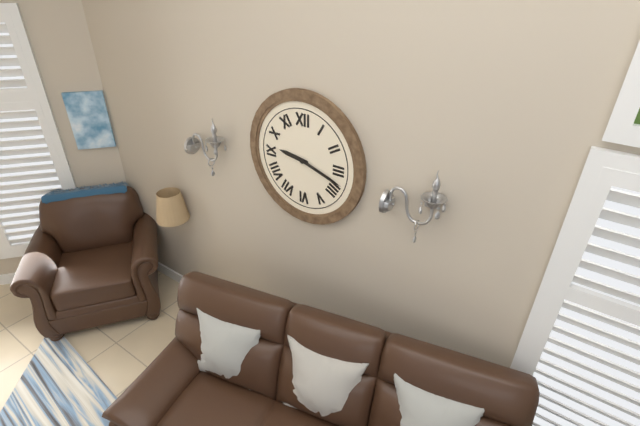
9:18
